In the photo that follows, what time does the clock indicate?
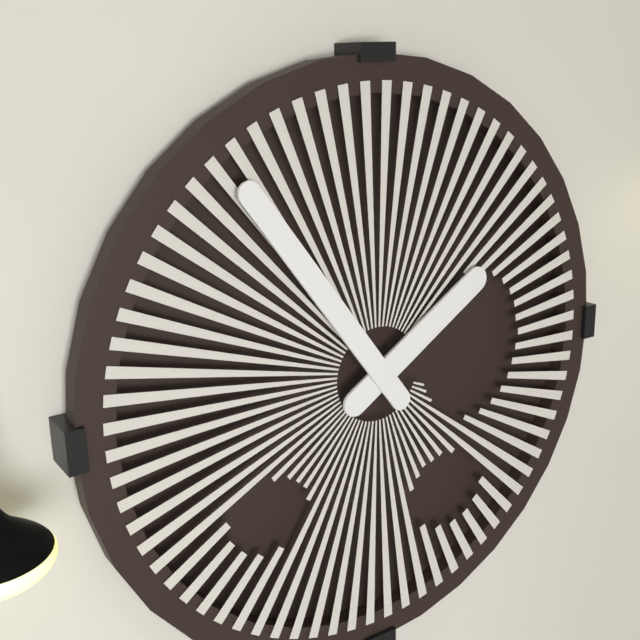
1:54
